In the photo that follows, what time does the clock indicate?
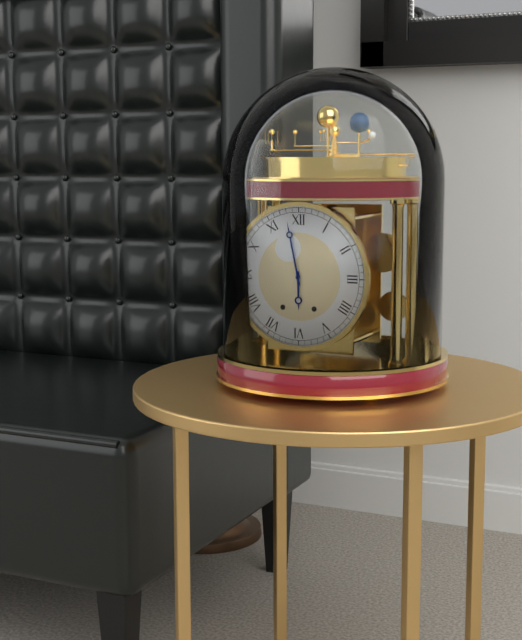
5:58
